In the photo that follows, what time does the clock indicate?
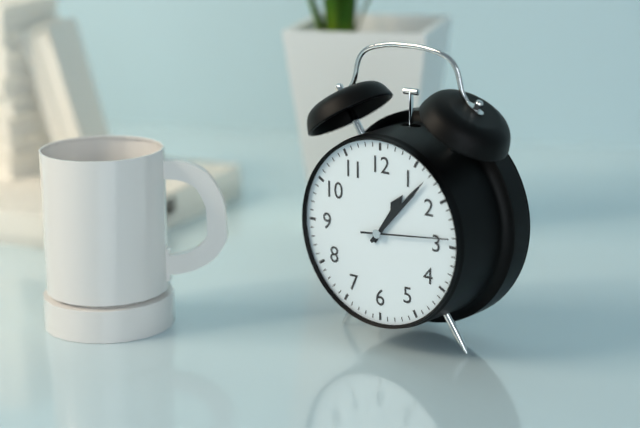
1:07:14
